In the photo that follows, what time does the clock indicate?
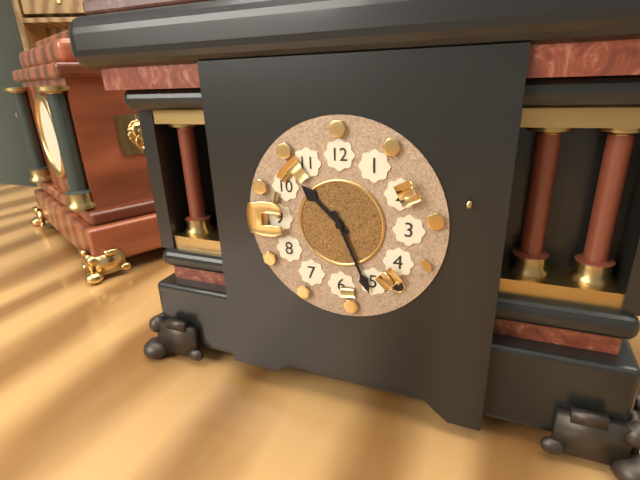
10:26
